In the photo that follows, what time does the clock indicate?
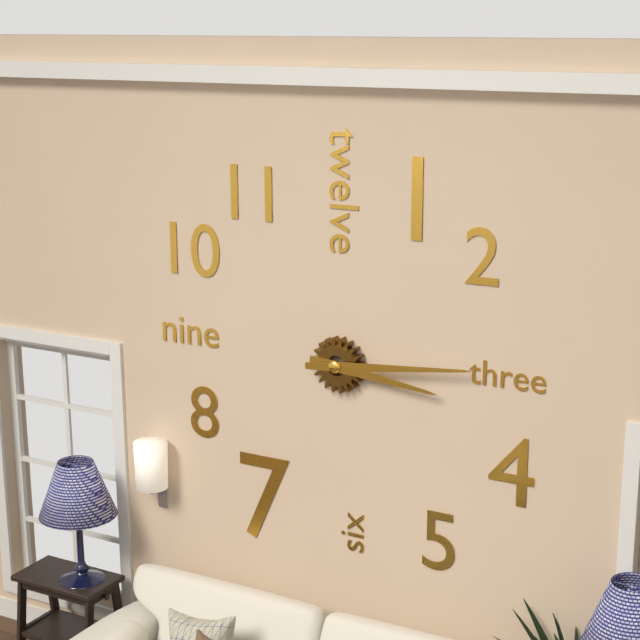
3:14
